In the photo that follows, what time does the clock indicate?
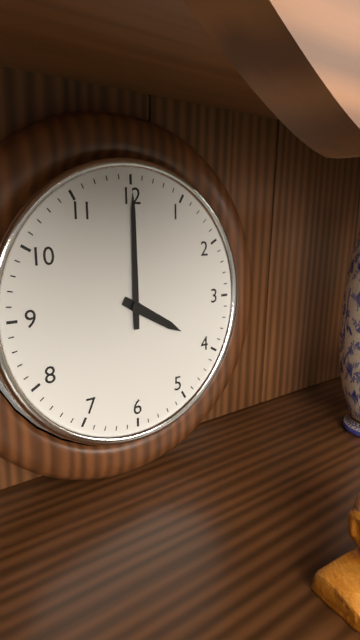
4:00
